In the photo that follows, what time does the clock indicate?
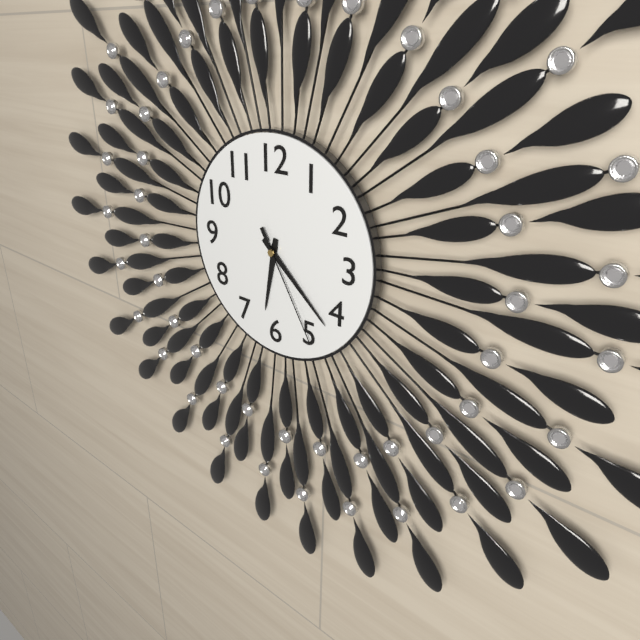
6:22:25
